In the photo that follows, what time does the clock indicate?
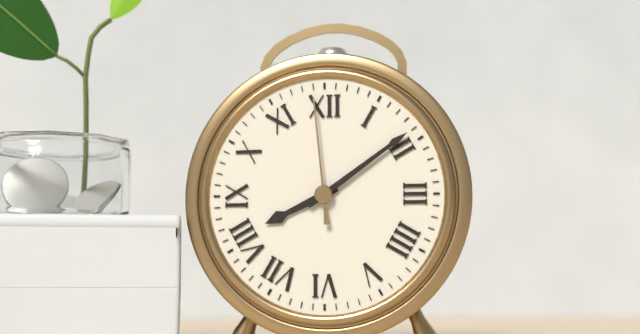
8:09:59
